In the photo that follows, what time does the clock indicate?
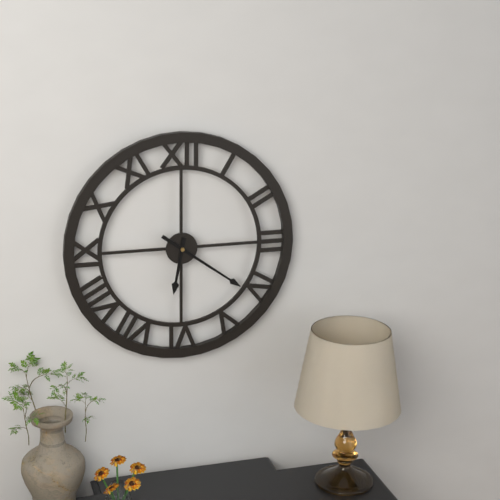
6:21
